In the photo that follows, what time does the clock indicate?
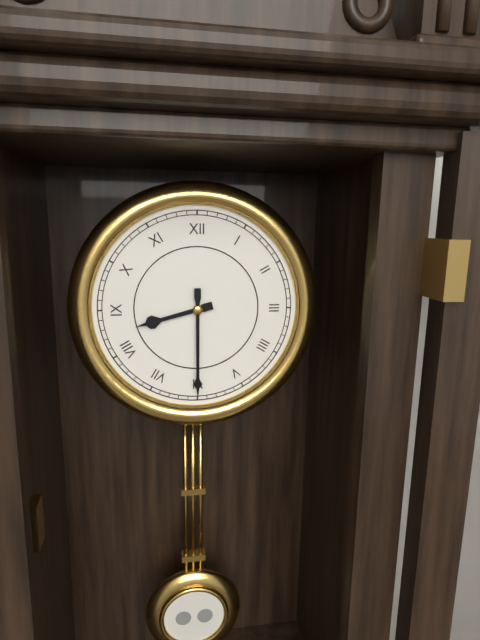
8:30
